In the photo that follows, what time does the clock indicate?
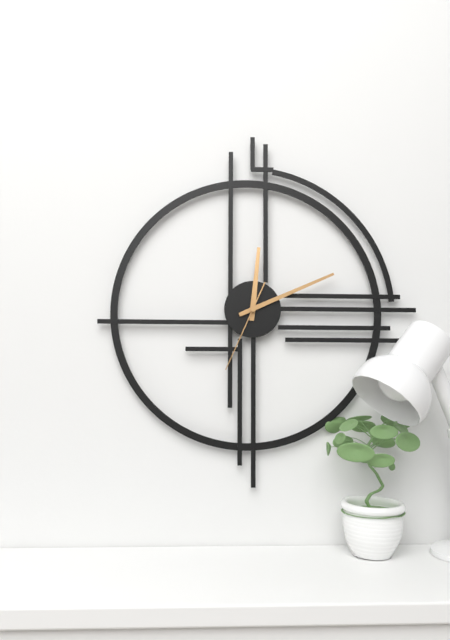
12:11:34
